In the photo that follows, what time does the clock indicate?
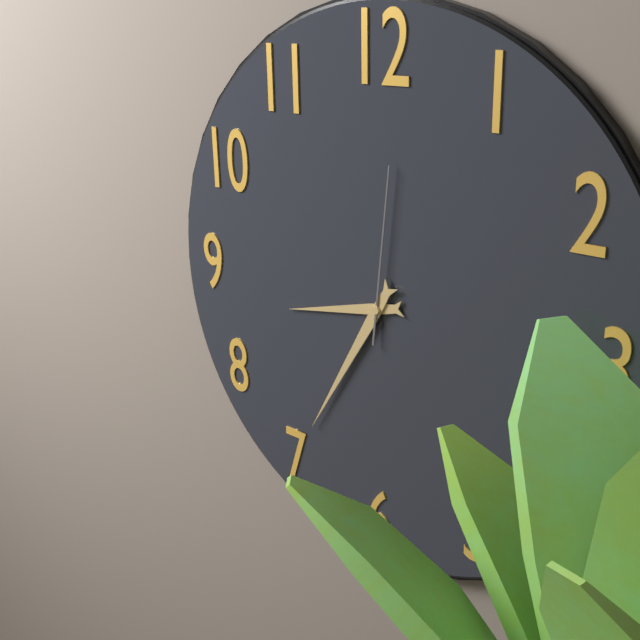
8:35:01
